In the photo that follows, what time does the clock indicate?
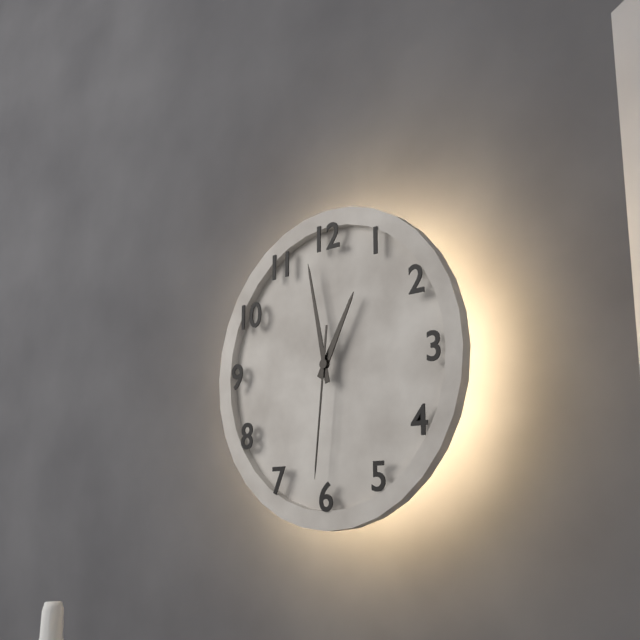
12:58:31
